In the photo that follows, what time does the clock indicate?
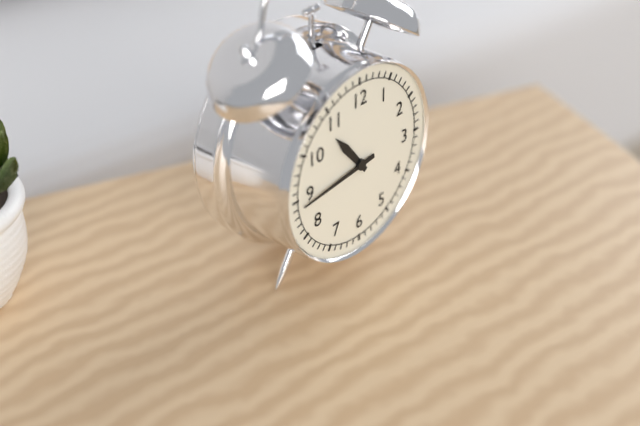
10:44
